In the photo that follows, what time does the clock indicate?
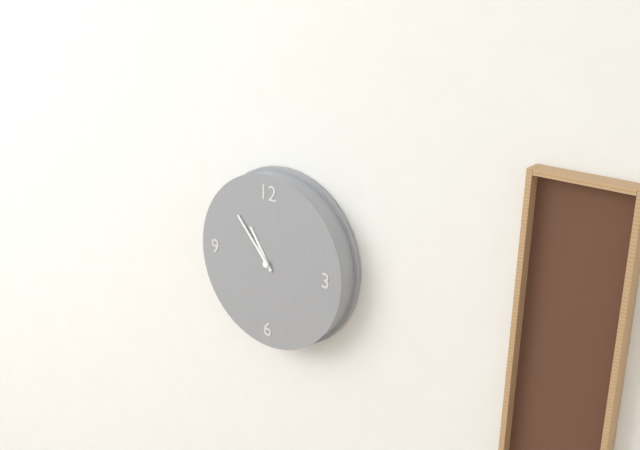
10:53
